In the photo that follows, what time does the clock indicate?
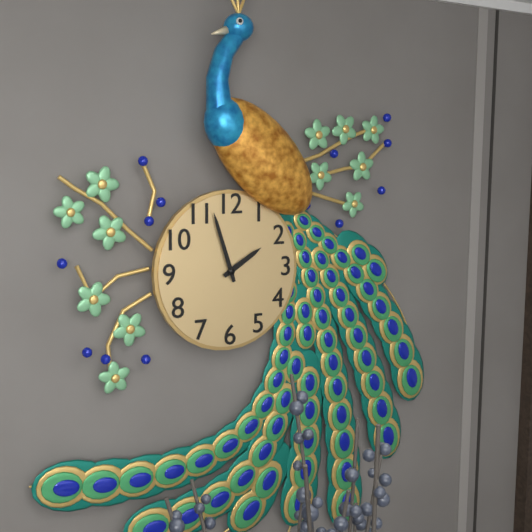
1:57
